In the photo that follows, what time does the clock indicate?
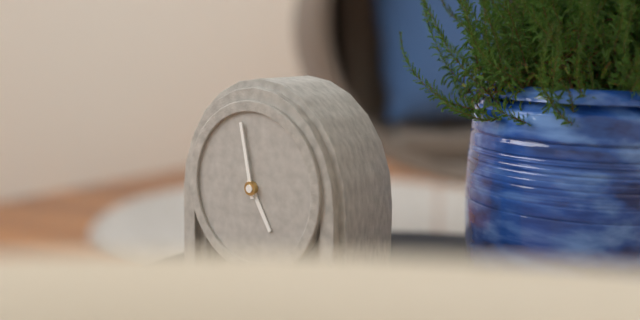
4:58
